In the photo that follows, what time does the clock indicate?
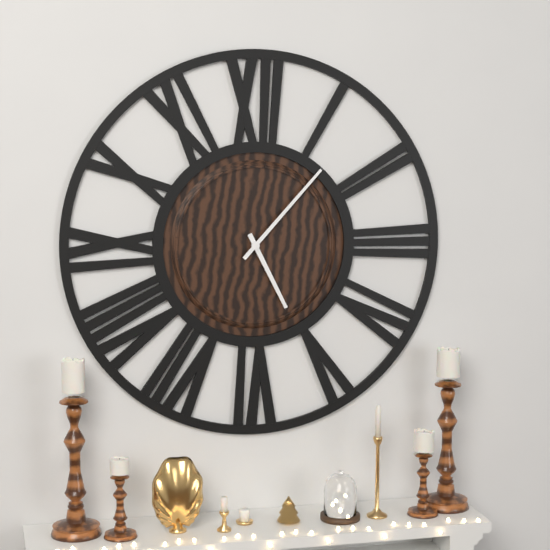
5:07
